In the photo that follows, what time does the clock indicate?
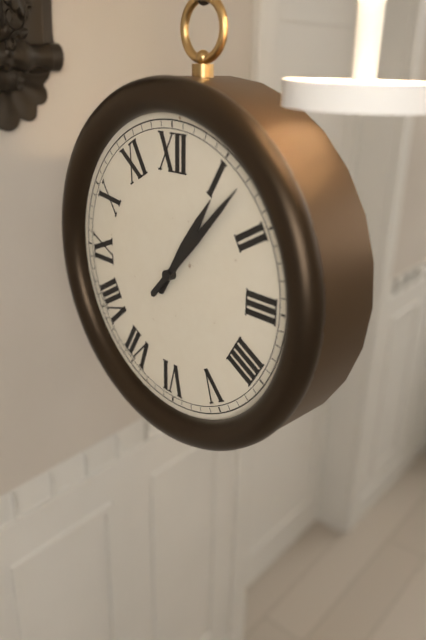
1:07
